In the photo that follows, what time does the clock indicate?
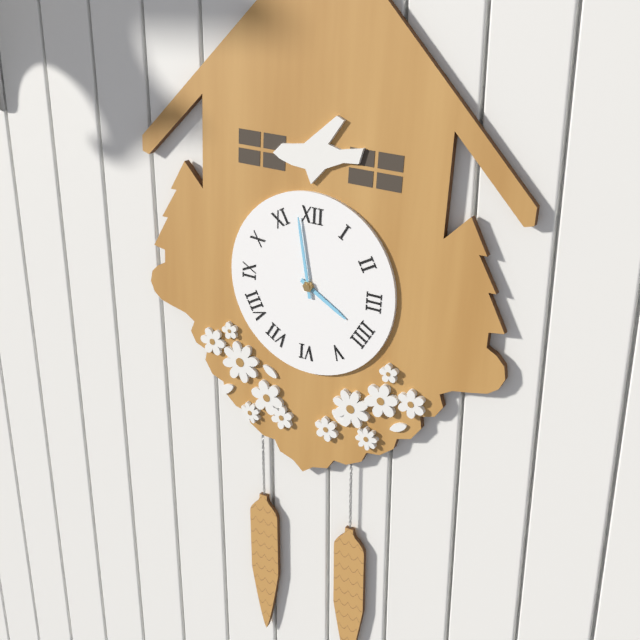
3:58
